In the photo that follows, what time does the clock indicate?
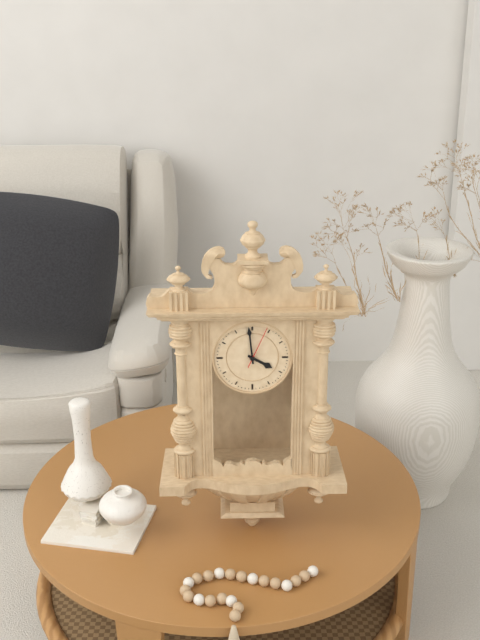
3:59
